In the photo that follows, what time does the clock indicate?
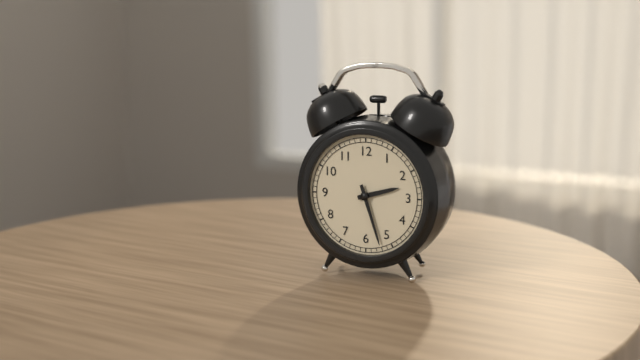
2:27
